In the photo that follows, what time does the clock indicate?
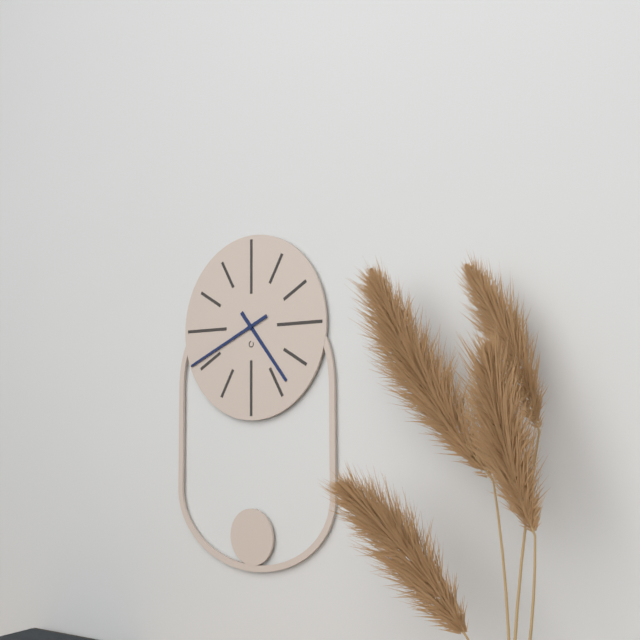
4:41
